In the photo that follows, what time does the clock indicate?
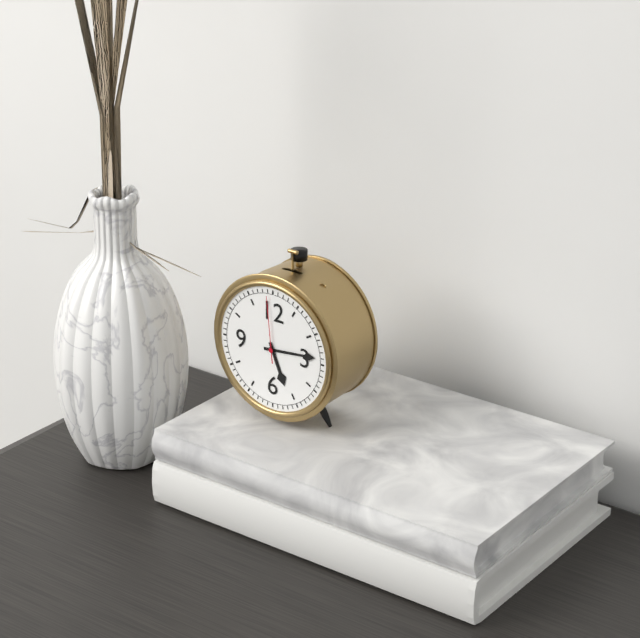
5:14:59
